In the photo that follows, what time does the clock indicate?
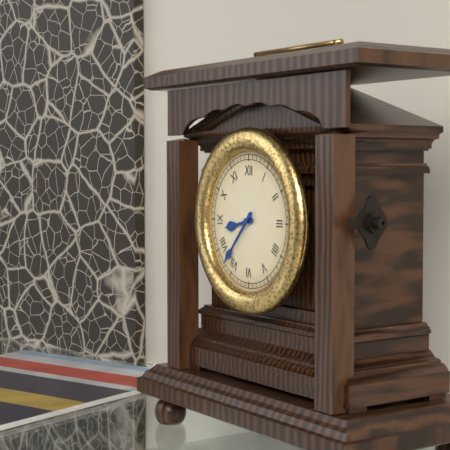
8:37
